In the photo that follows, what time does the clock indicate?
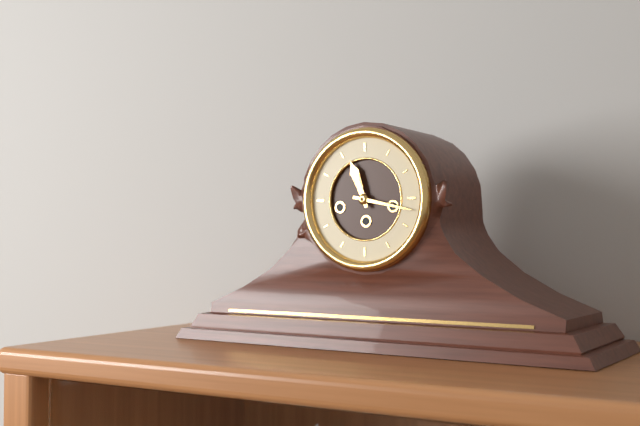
11:17
